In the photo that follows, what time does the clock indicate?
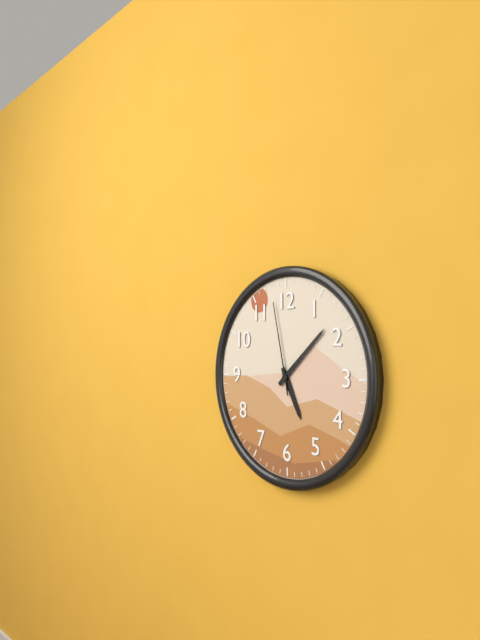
5:08:58
